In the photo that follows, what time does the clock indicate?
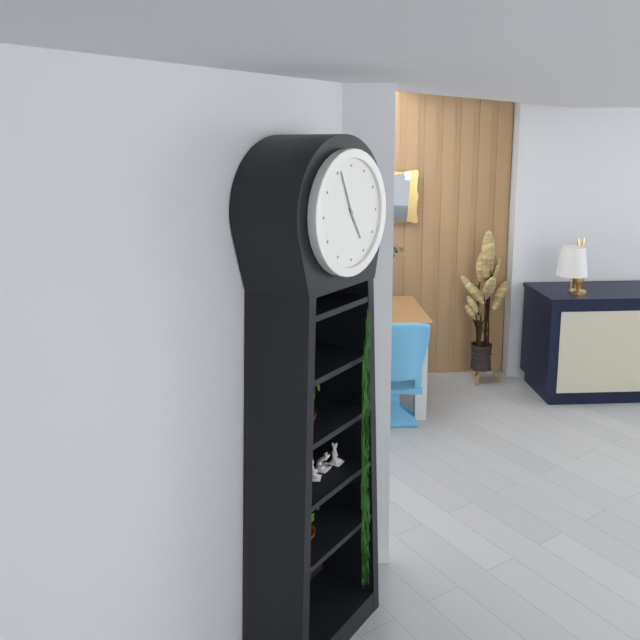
4:56
